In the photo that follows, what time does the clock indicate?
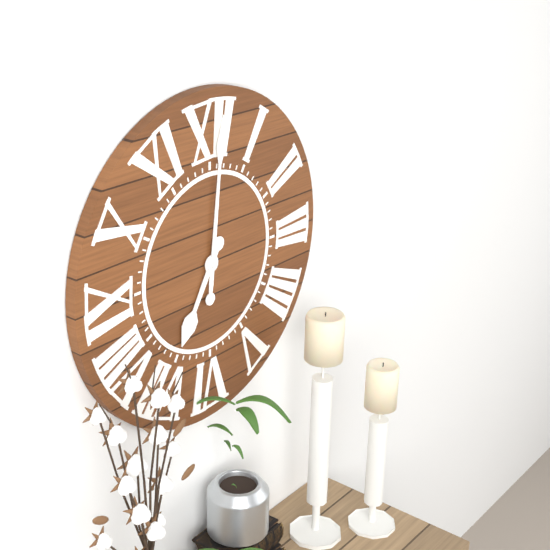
7:01
